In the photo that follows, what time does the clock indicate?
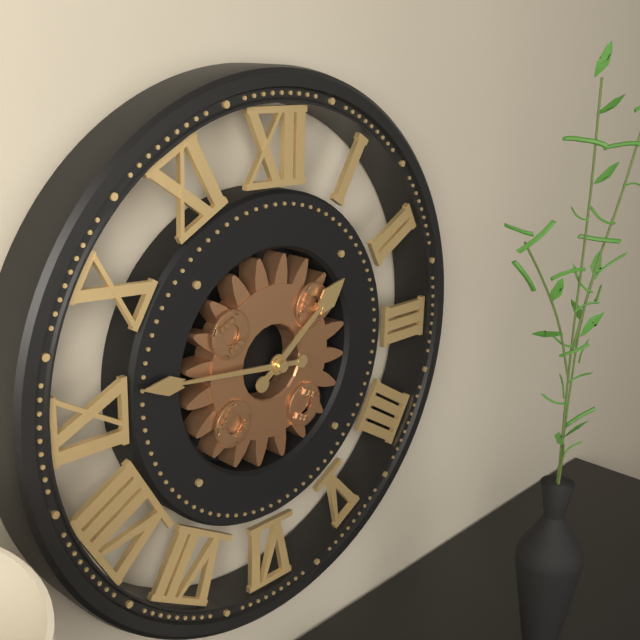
1:46
